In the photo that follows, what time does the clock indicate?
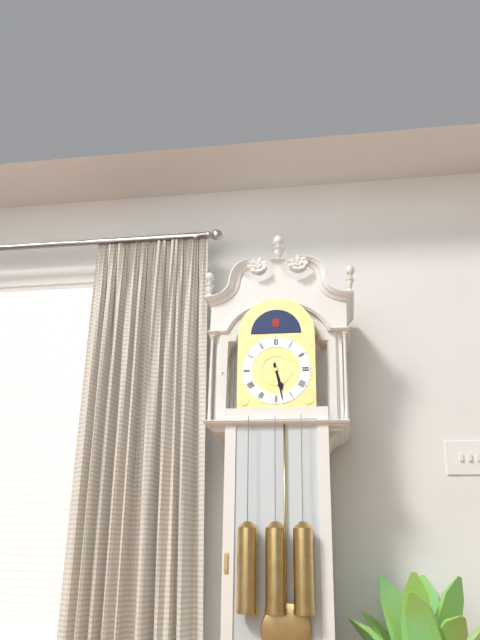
5:28
